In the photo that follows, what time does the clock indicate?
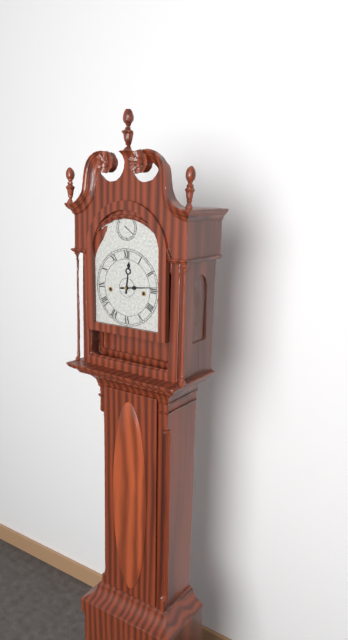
12:14
